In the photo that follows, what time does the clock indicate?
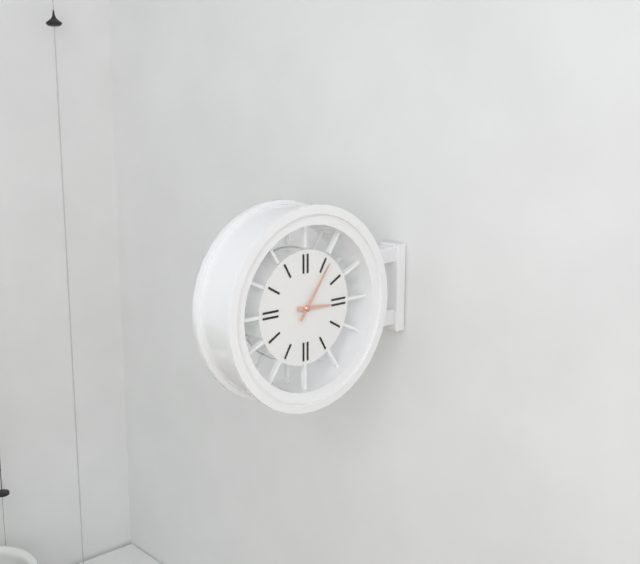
3:06
